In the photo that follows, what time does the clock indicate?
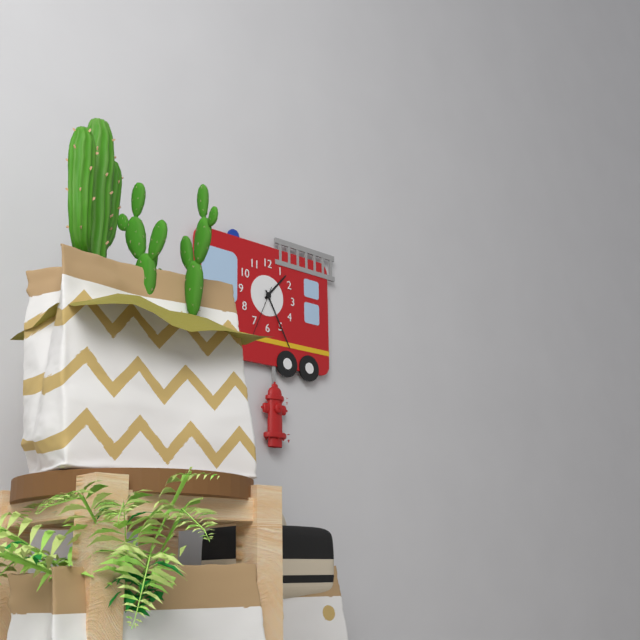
1:25:34
